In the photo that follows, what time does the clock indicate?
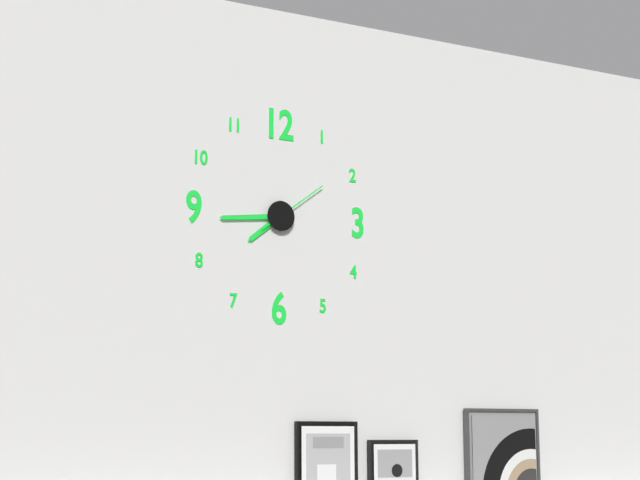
7:44:09
